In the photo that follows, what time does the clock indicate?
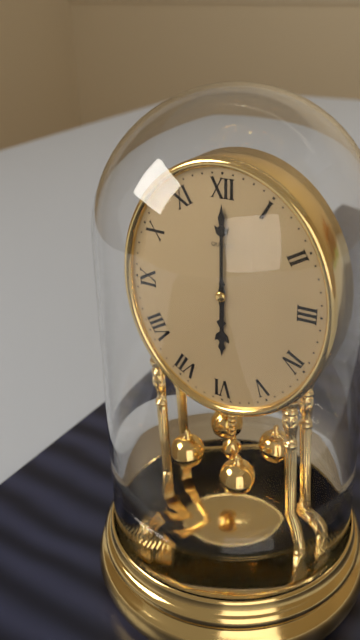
6:00
